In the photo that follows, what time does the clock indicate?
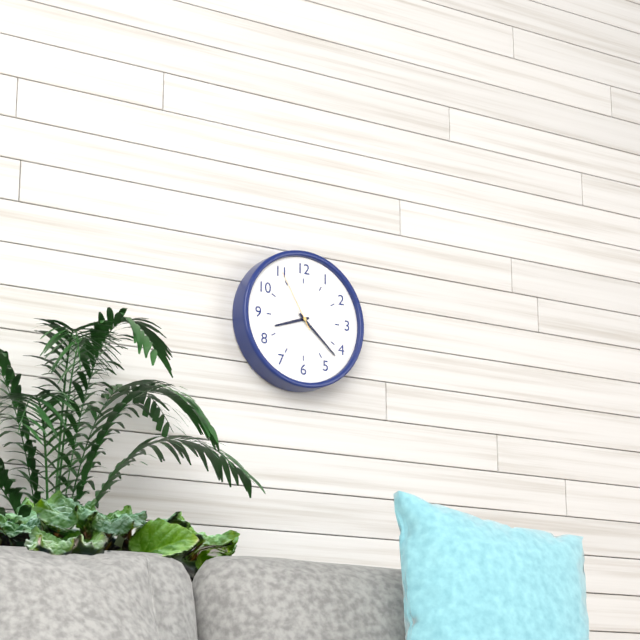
8:22:55
